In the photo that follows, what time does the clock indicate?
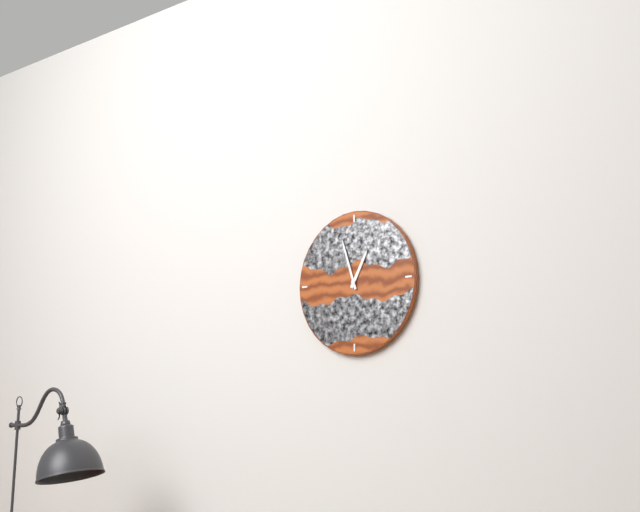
12:57
